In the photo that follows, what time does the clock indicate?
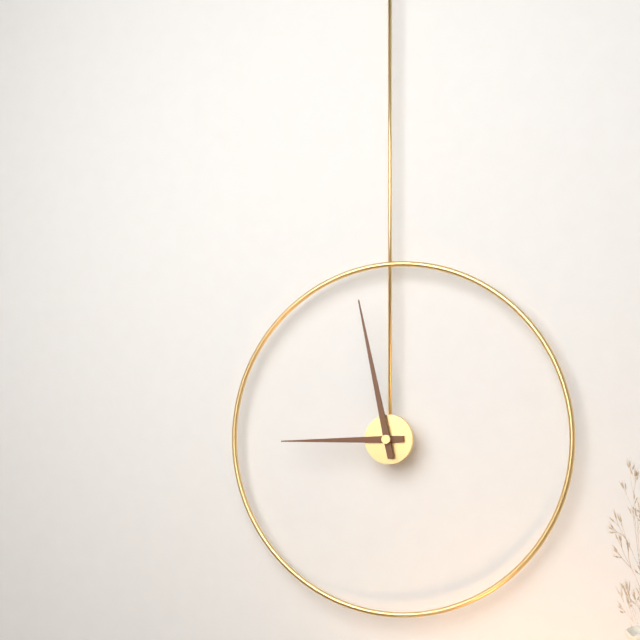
8:58
